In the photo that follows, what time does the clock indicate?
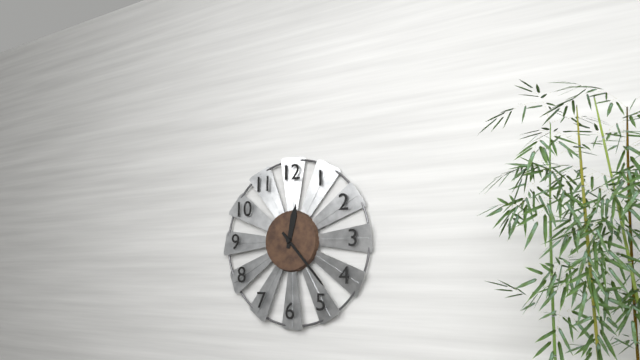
12:23
